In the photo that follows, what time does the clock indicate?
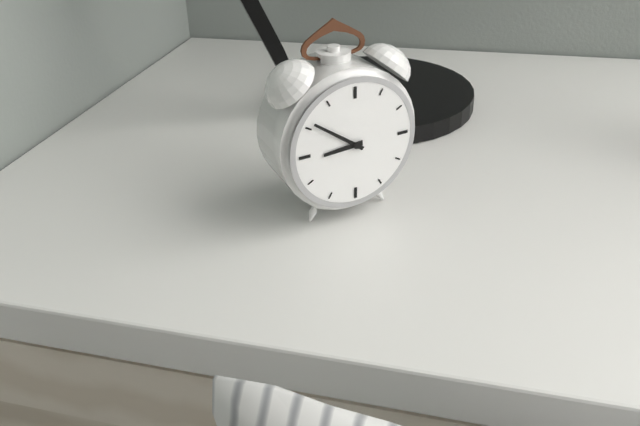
8:51
